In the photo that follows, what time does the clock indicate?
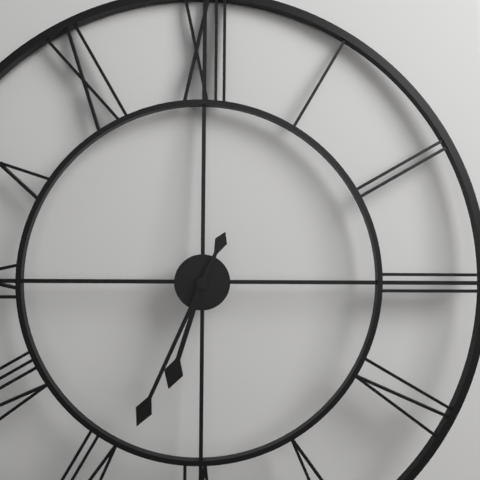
6:34
